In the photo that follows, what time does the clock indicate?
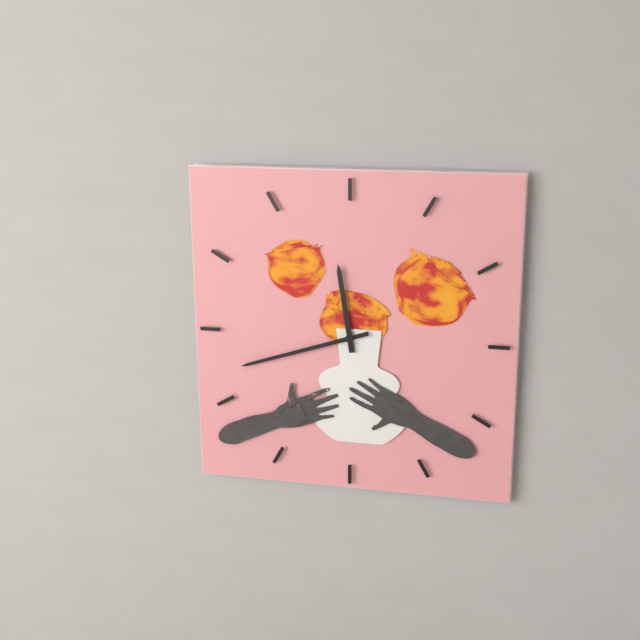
11:42
